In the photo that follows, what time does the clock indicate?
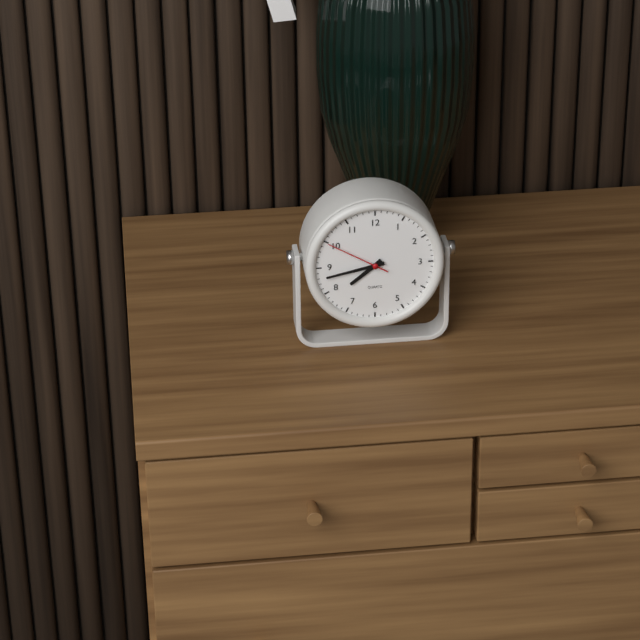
7:43:50
